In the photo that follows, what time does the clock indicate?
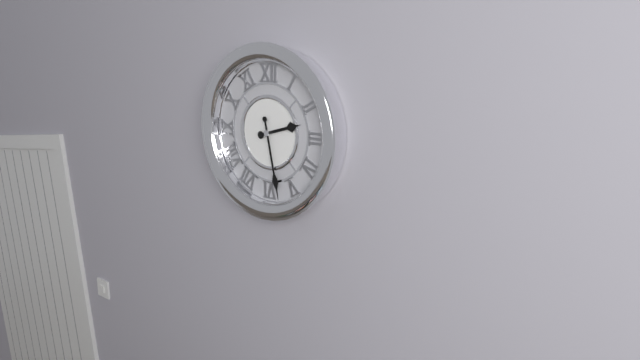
2:28
